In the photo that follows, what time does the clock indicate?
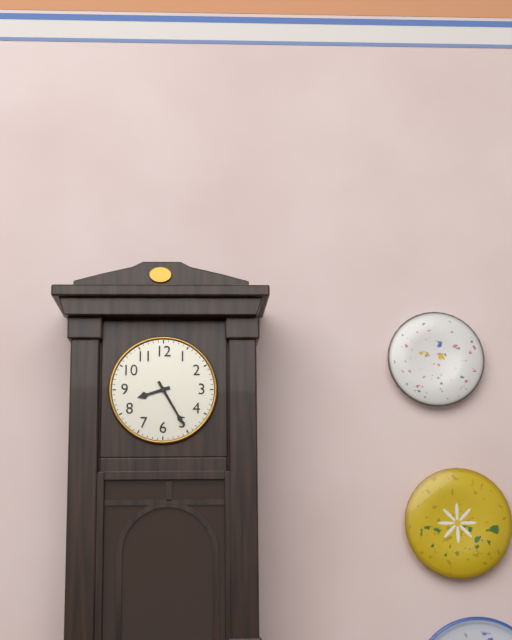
8:25
